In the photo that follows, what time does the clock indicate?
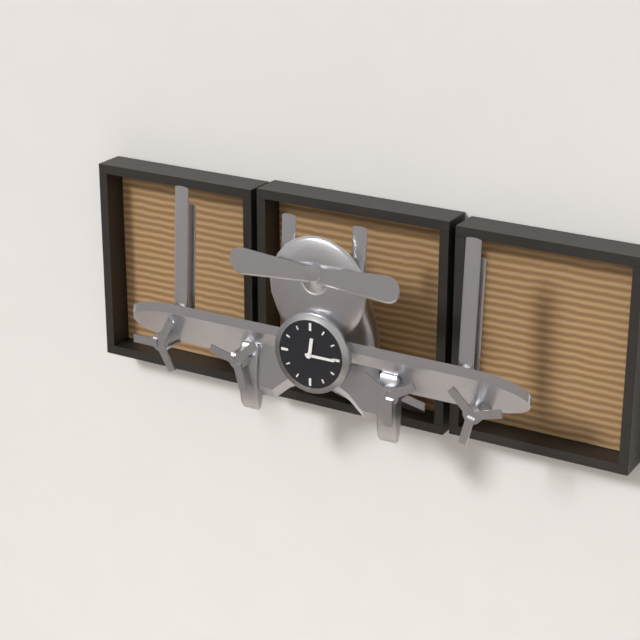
12:15
